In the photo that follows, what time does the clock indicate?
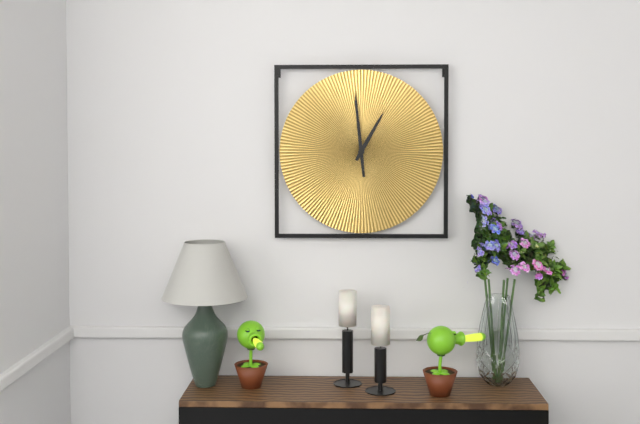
12:59
